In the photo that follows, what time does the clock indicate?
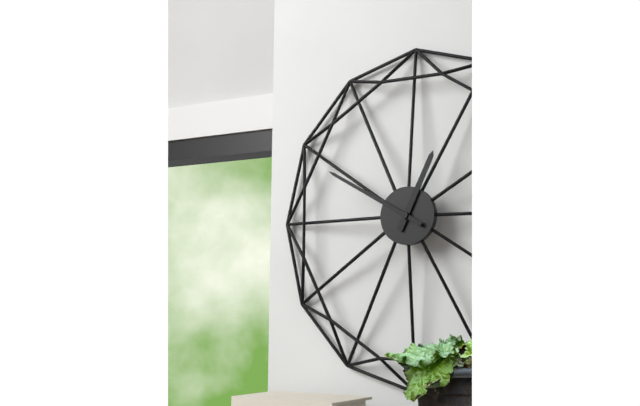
12:50
